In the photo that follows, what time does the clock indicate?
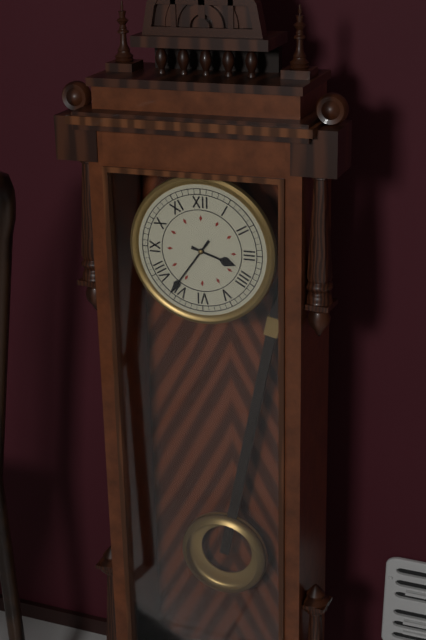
3:36
